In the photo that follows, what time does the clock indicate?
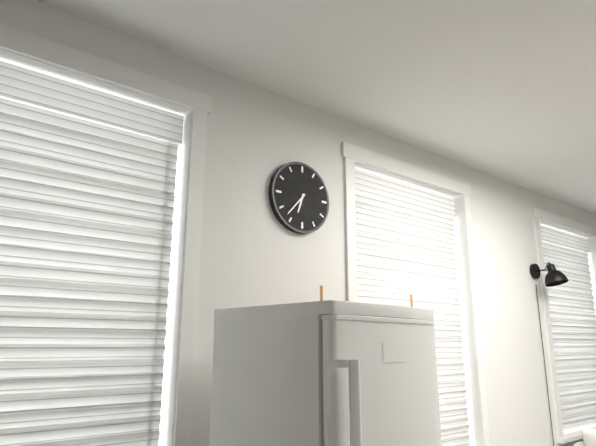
6:37
